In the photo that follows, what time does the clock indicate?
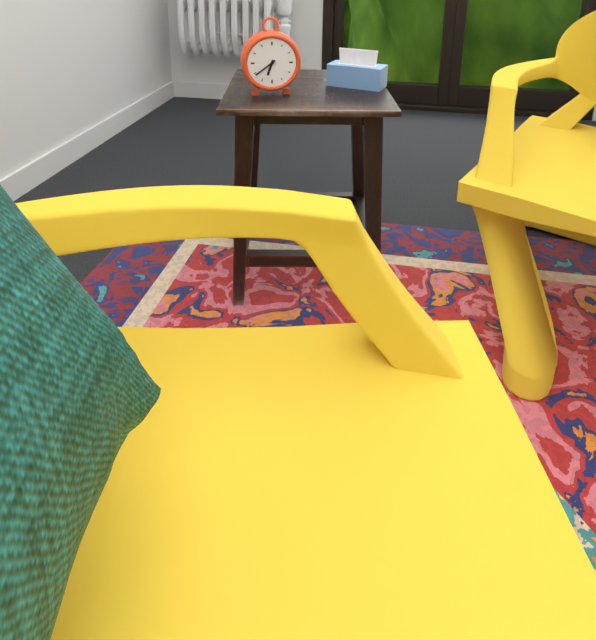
6:39
